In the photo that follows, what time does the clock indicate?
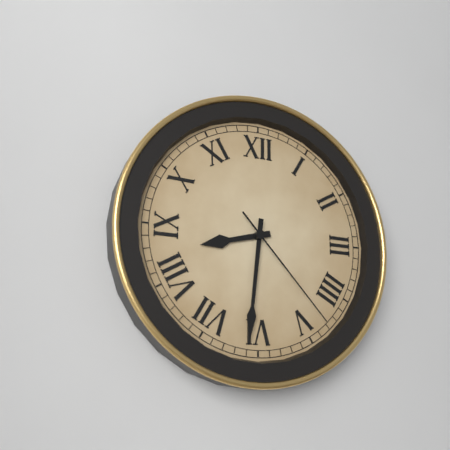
8:31:23
